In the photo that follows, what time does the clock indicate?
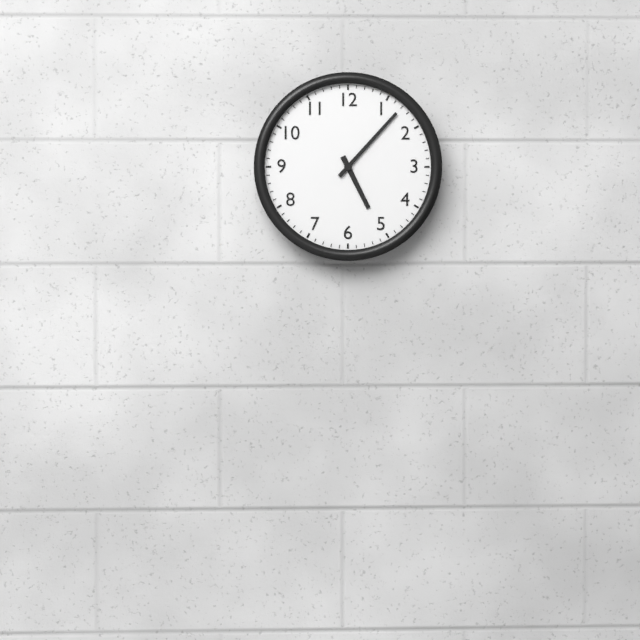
5:07
